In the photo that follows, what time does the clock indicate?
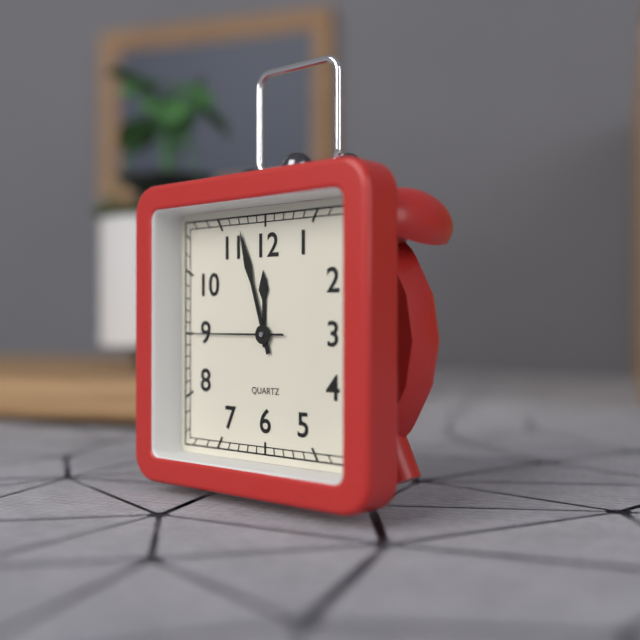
11:57:45
